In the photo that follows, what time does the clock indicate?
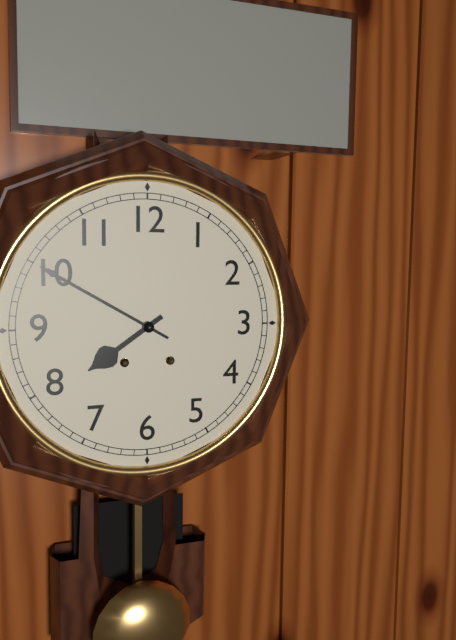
7:50
